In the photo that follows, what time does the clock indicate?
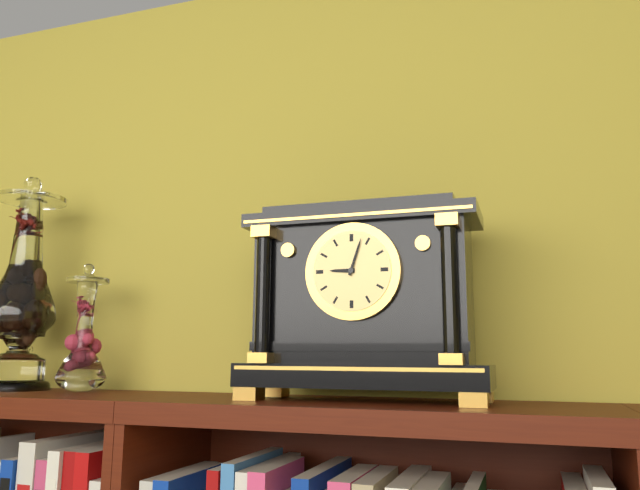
9:03
